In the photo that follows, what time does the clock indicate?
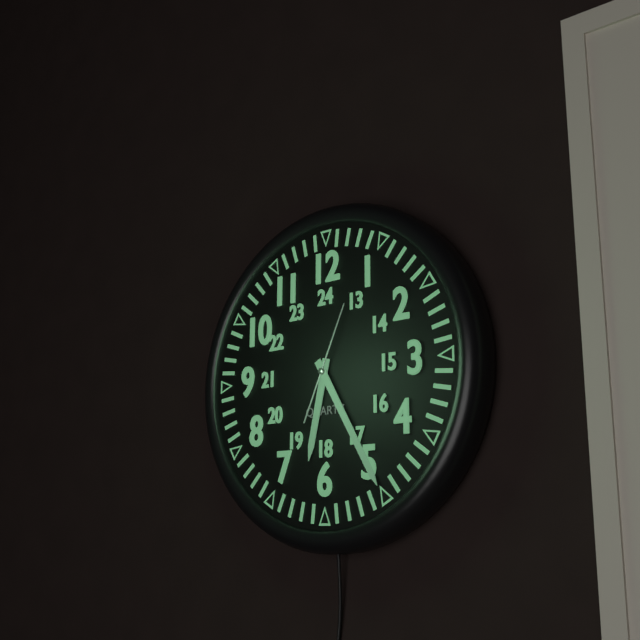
6:25:04
